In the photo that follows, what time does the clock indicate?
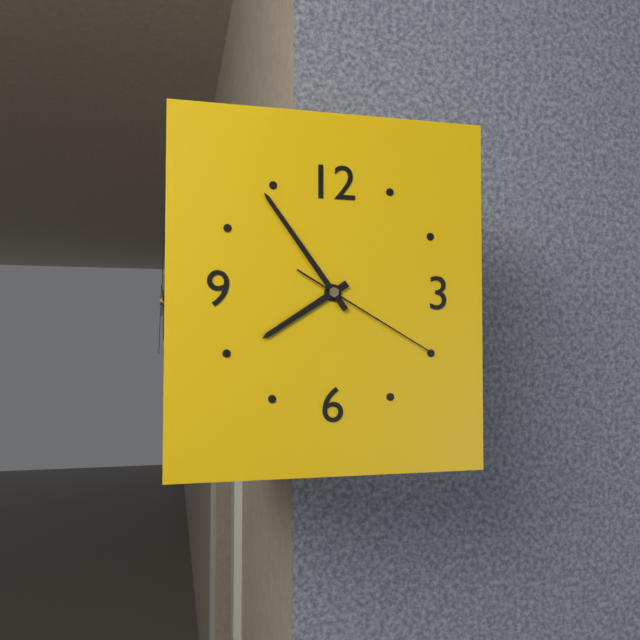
7:54:20
